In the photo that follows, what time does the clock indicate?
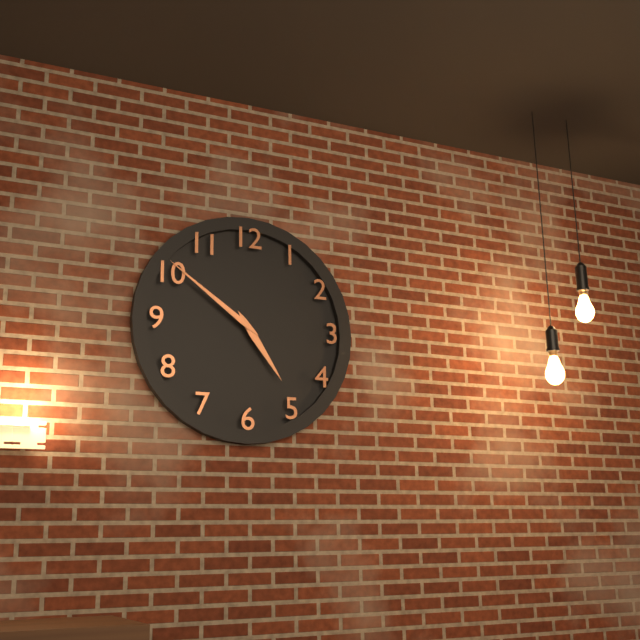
4:51
